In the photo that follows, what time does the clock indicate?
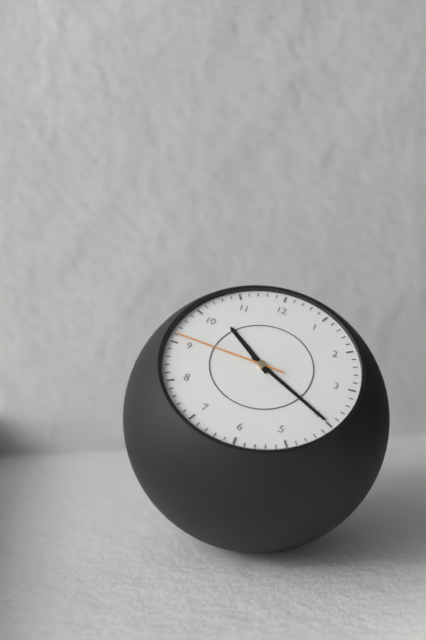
10:20:46
